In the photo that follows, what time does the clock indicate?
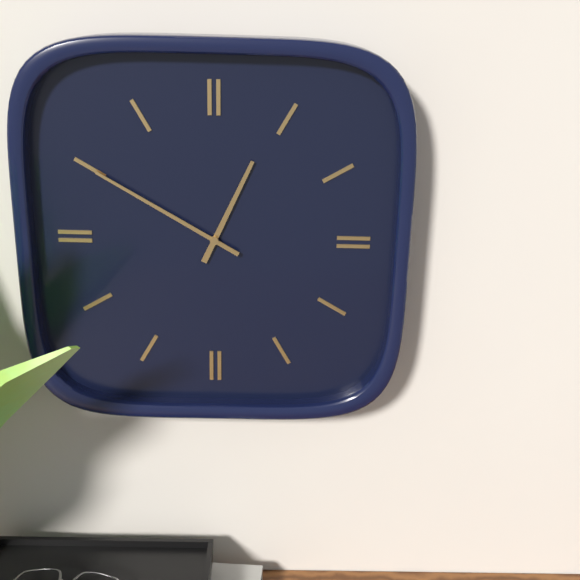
12:50
